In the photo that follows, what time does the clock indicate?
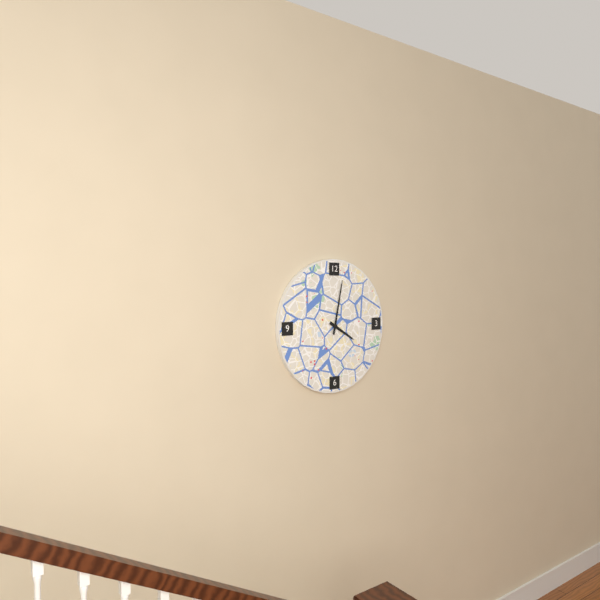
4:02
